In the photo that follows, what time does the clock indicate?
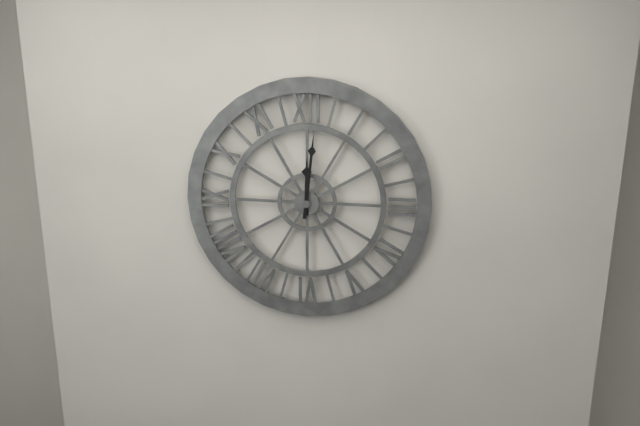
12:01
